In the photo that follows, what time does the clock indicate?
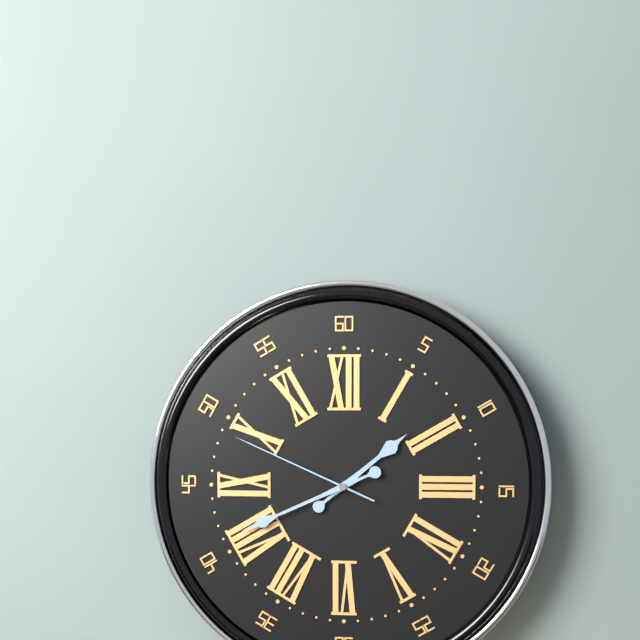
1:41:49
